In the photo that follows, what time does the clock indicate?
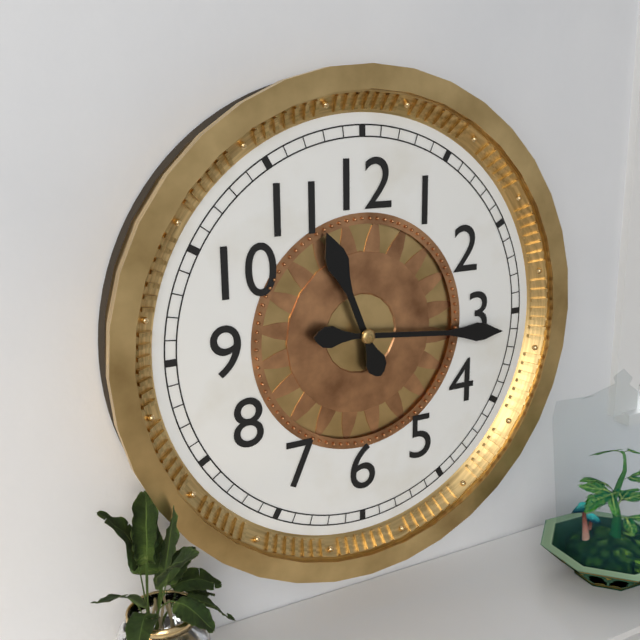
11:16
